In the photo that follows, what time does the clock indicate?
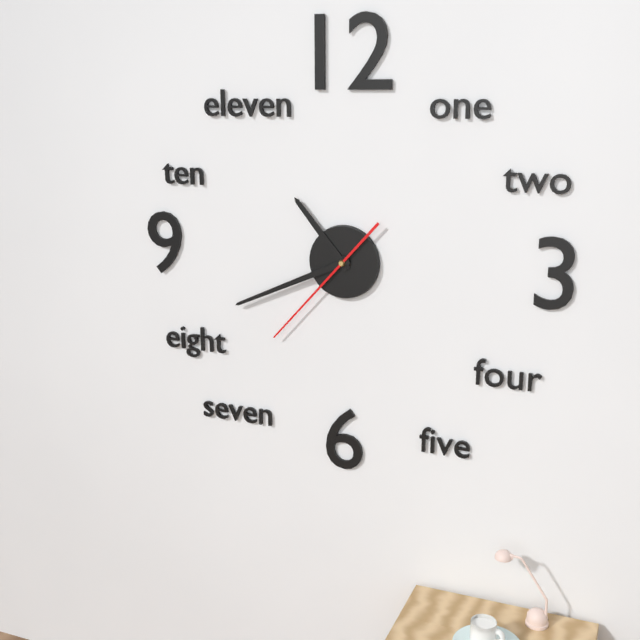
10:41:37
